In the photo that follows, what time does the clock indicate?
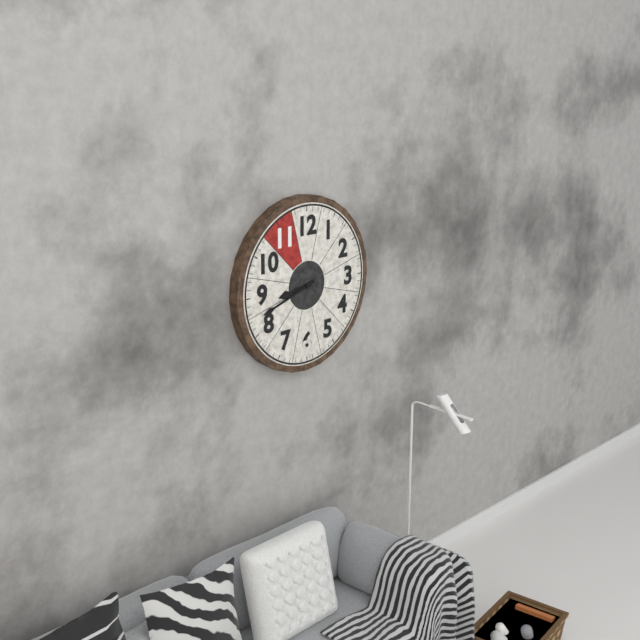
8:42
